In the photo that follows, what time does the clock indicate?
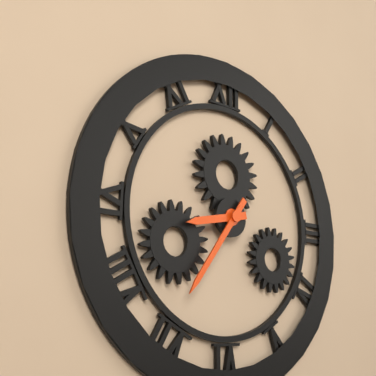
8:36
